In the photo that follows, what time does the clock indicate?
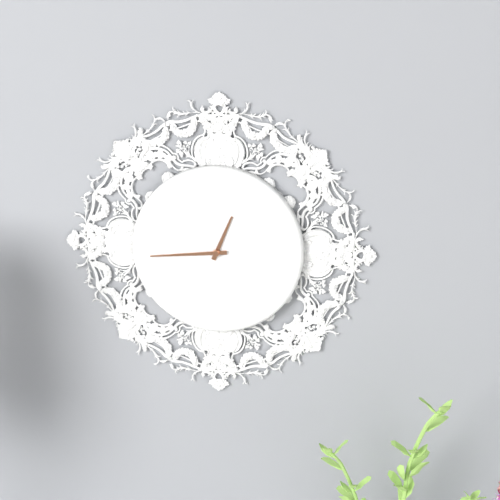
12:44
